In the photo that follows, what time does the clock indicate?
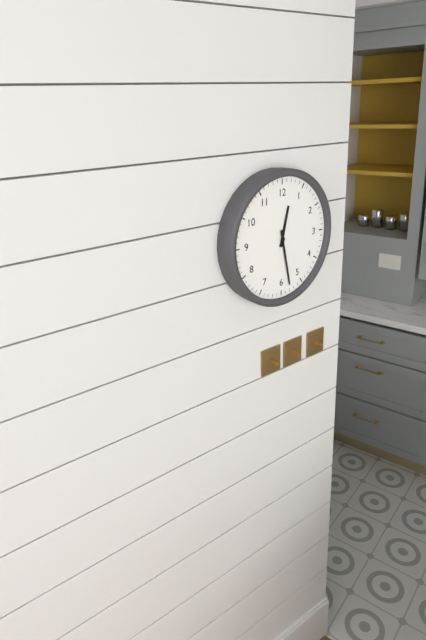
12:28
